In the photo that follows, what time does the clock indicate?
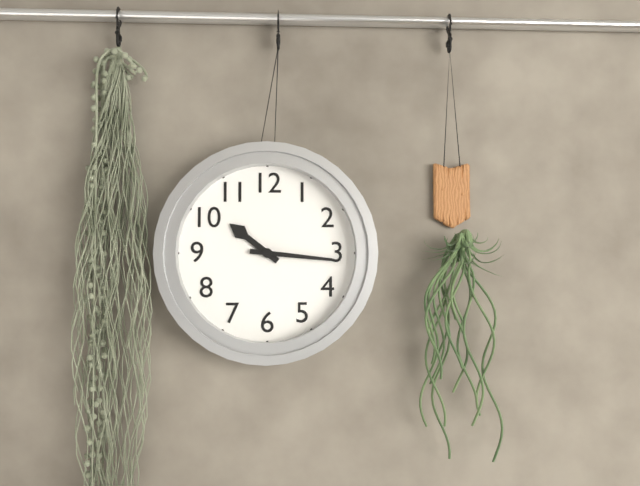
10:16
